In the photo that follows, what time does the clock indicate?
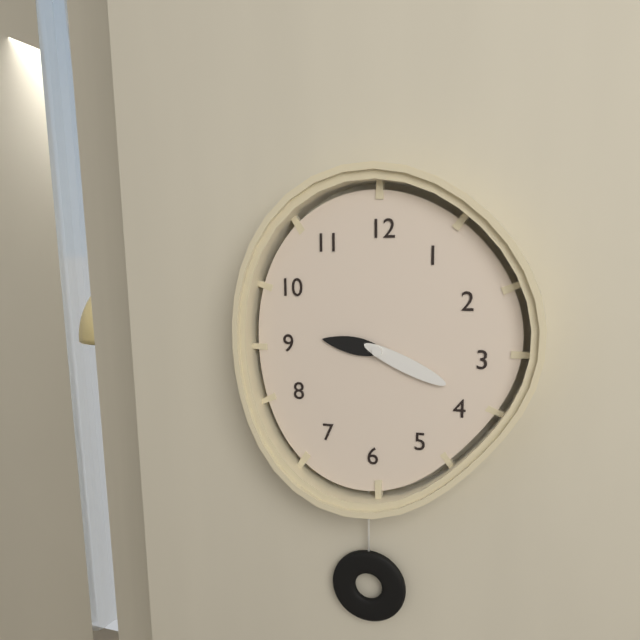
9:19
